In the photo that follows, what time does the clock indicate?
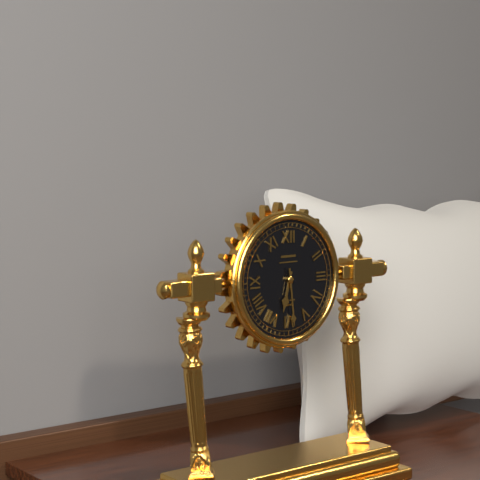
6:29
